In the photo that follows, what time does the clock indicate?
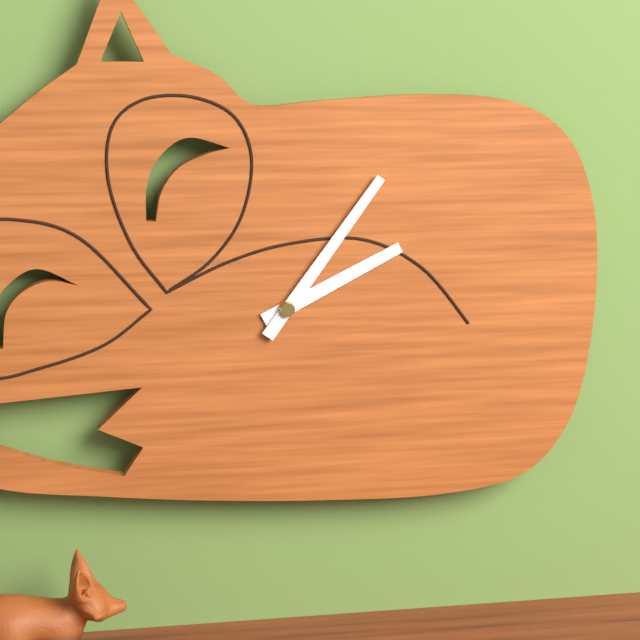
2:06
